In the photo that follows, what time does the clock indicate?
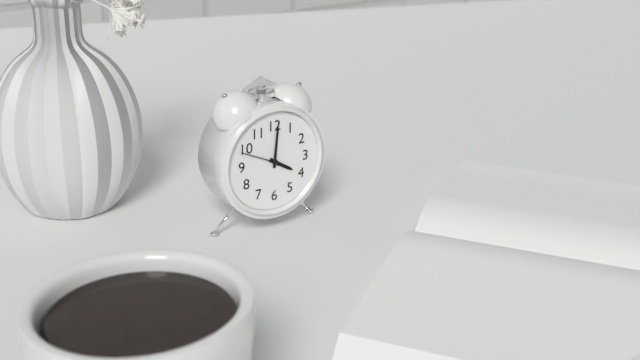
4:01
